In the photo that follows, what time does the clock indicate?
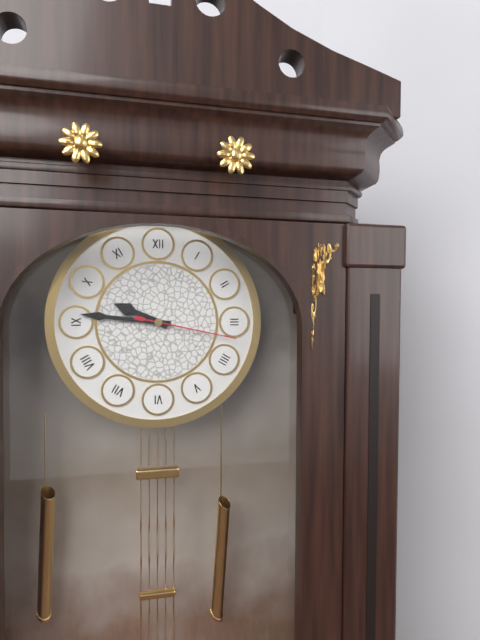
9:46:17
